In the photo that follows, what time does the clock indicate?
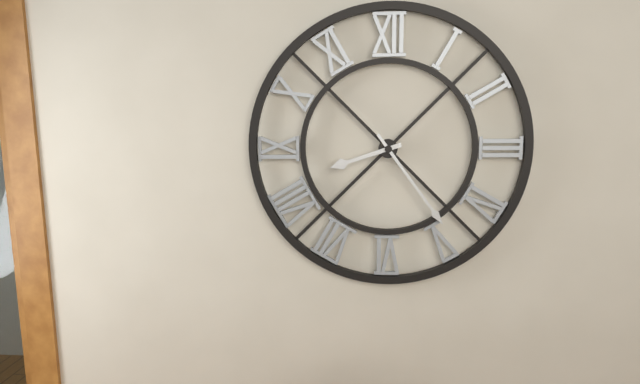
8:24
